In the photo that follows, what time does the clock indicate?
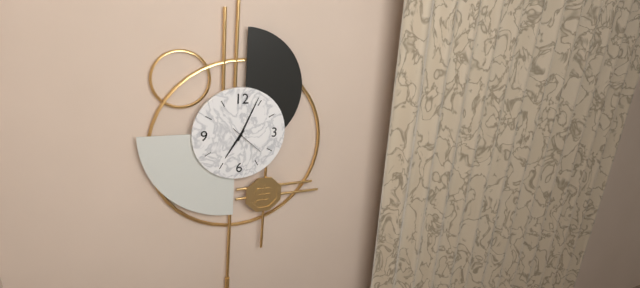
7:04
